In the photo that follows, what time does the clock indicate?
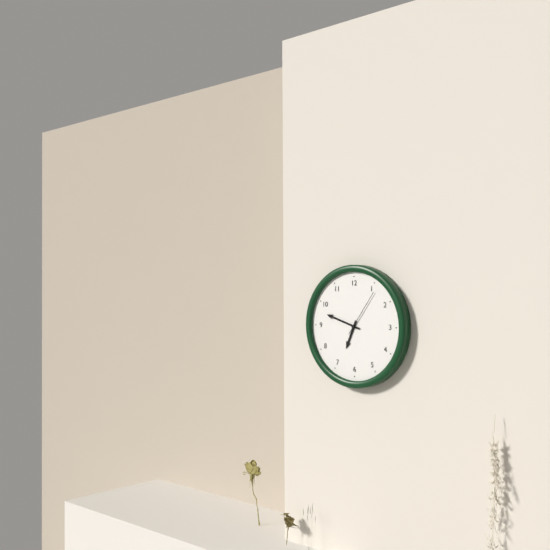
6:48
